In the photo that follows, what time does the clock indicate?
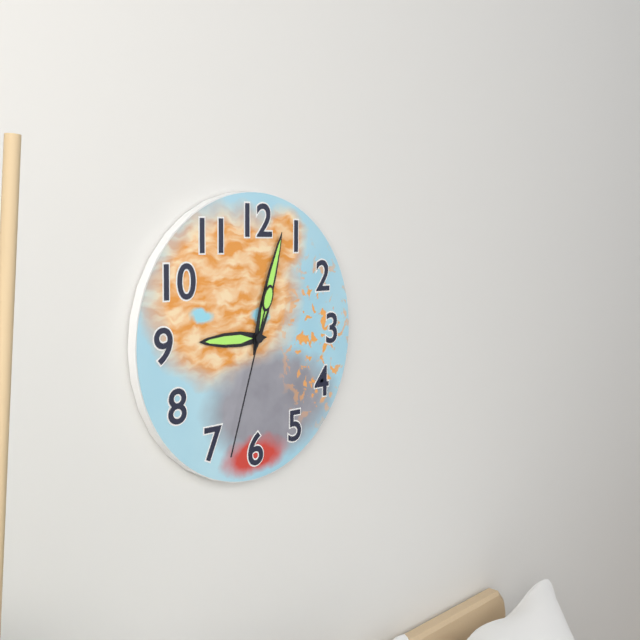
9:03:33
